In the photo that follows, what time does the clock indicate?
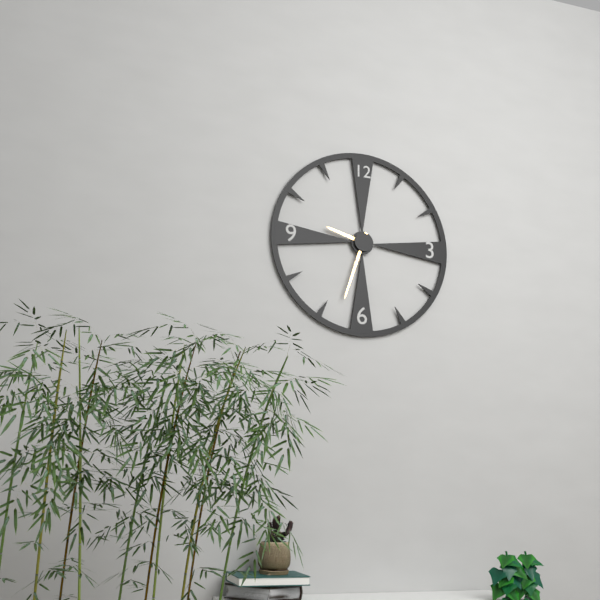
9:33
